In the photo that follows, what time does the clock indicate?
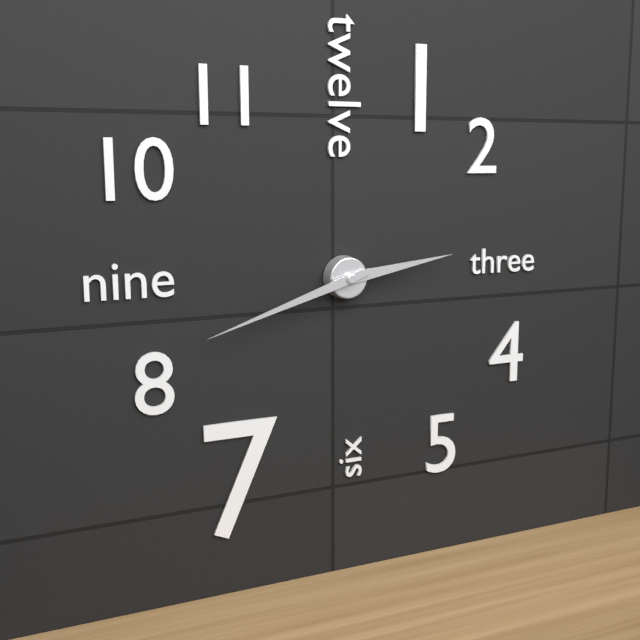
2:42
